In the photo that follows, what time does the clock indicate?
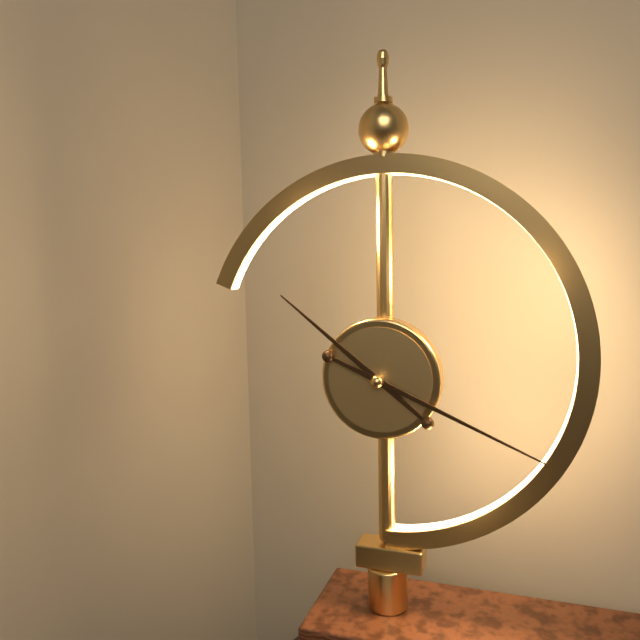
10:19
